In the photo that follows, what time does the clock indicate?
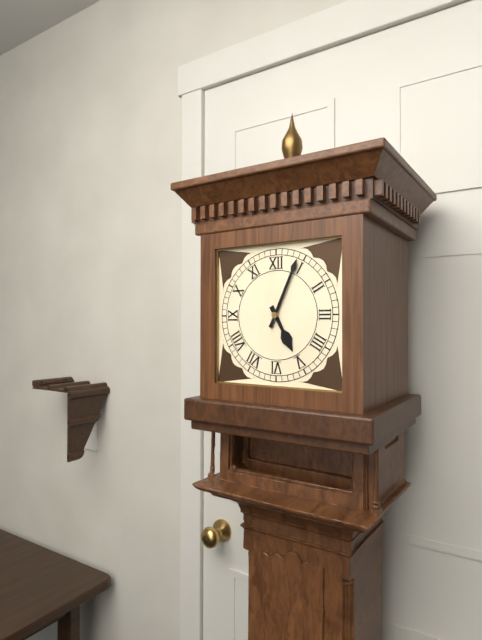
5:04
